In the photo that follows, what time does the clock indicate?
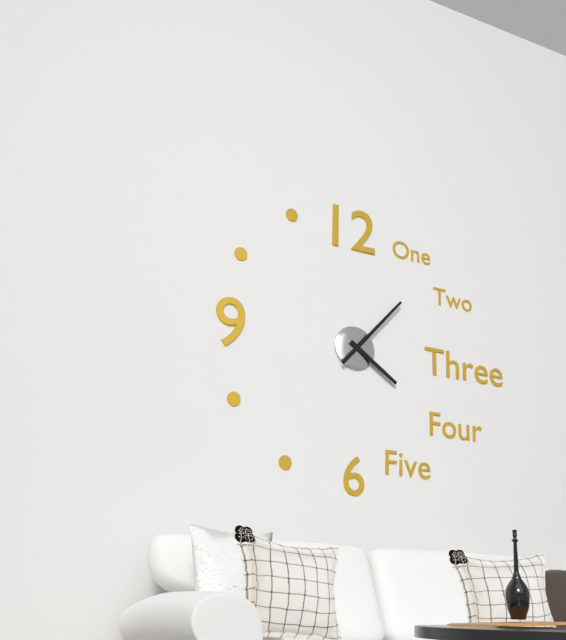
4:07
